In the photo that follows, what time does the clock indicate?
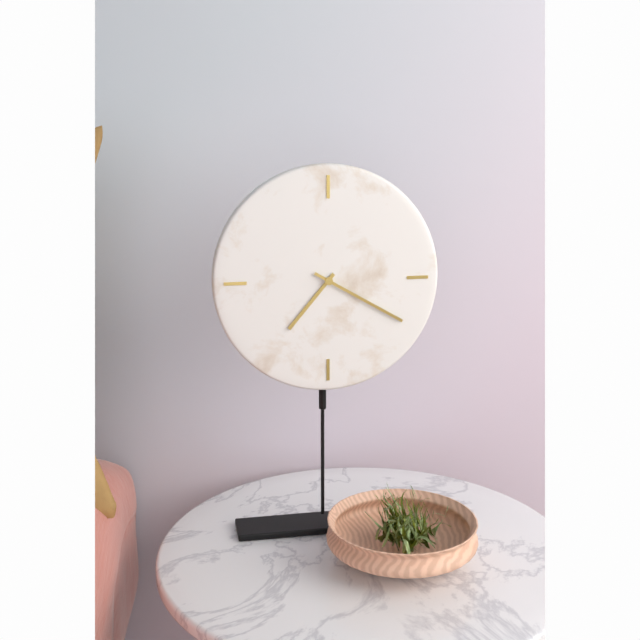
7:20
